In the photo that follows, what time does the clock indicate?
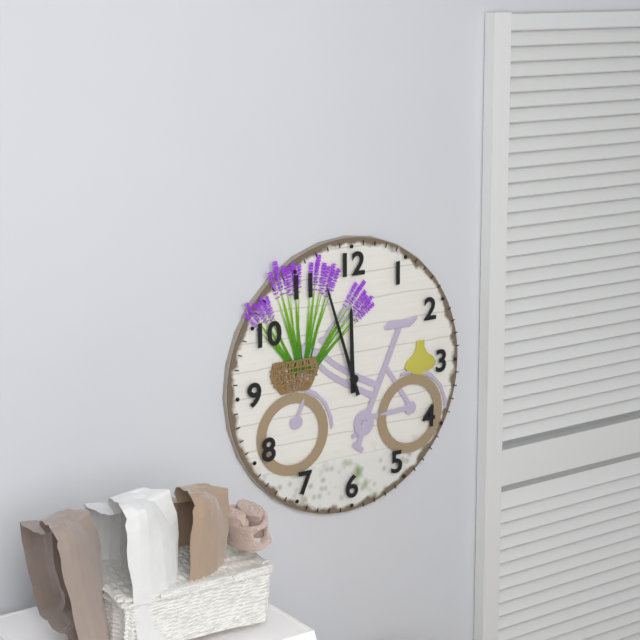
11:57
